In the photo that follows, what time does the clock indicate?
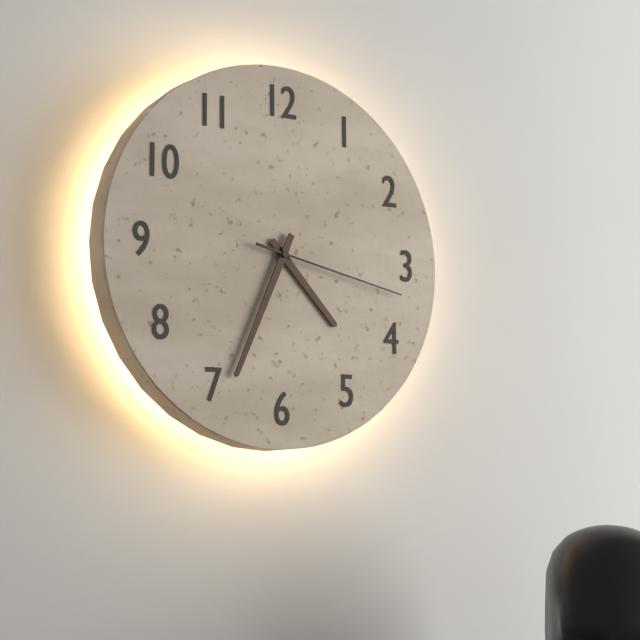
4:34:17
